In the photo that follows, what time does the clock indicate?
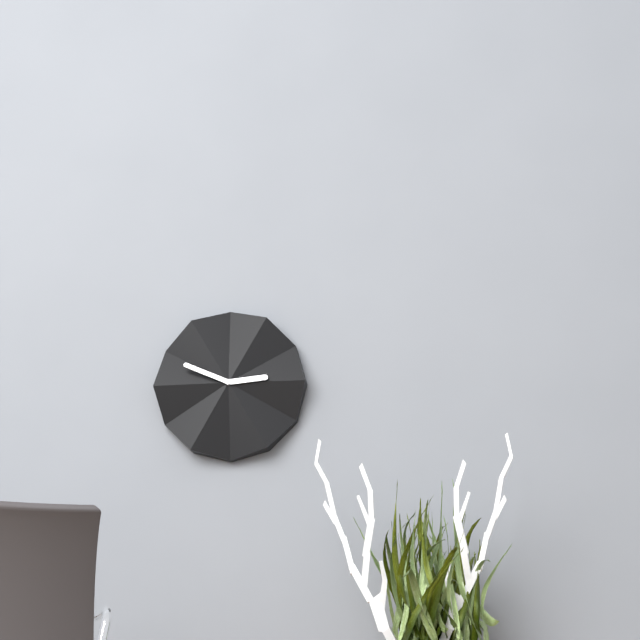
2:49
